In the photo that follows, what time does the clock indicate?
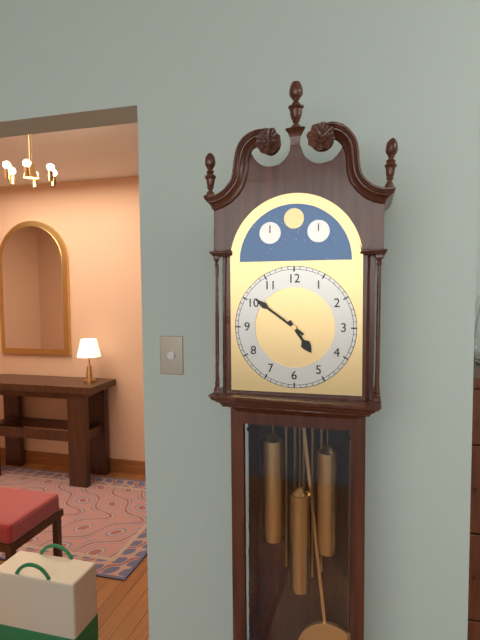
4:51
